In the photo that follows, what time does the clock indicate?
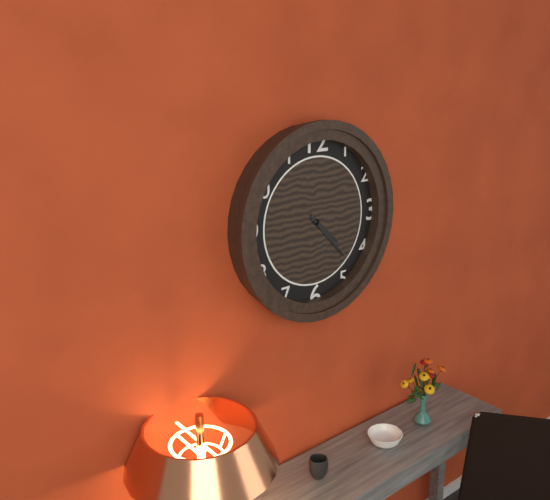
4:23
